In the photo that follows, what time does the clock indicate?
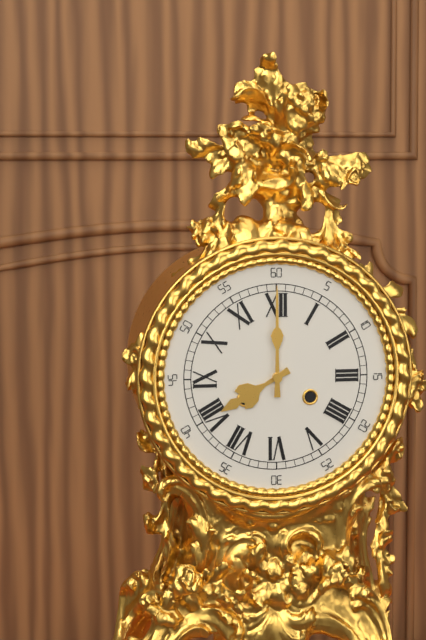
8:00
